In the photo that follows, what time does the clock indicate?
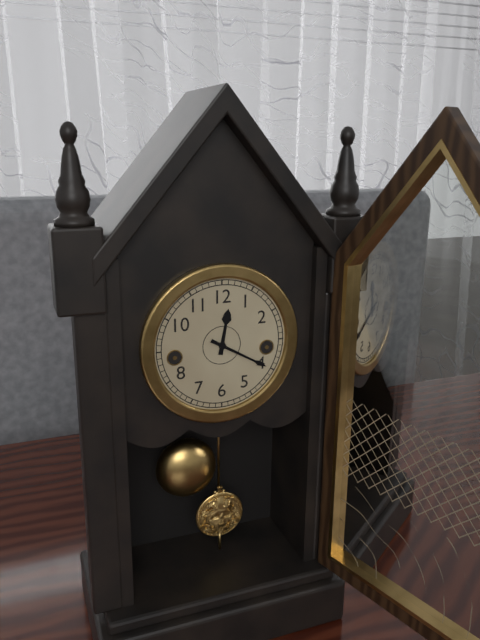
12:20
